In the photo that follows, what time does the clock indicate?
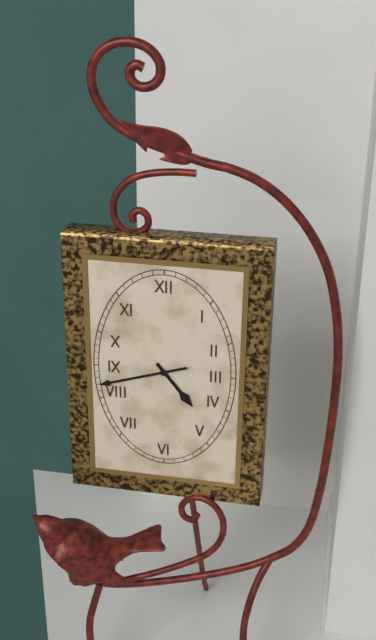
4:42
